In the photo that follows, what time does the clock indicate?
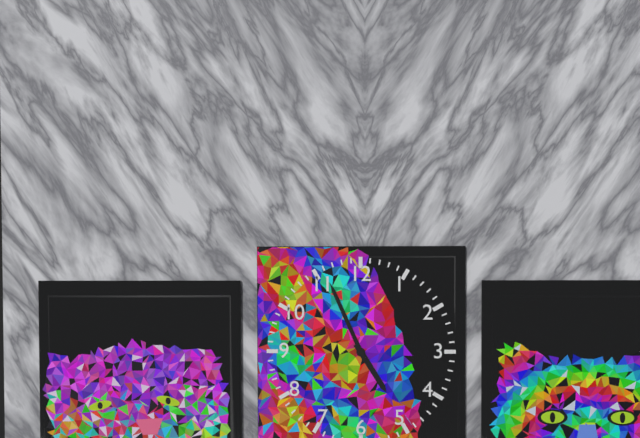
4:56
